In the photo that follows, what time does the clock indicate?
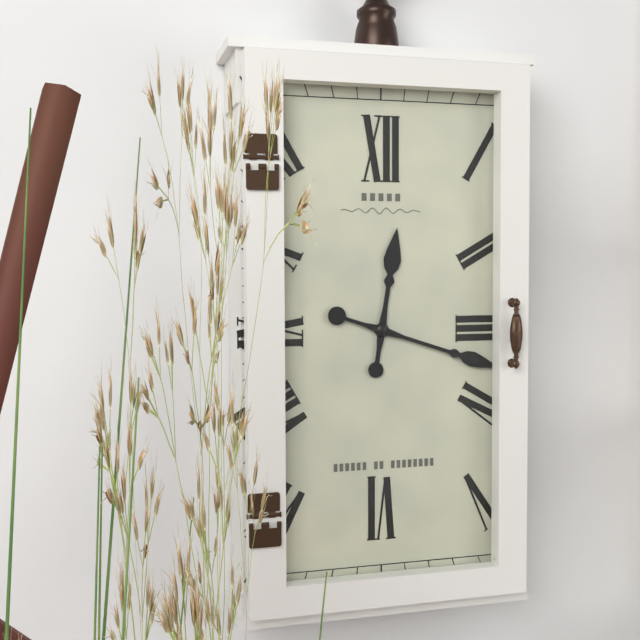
12:18
